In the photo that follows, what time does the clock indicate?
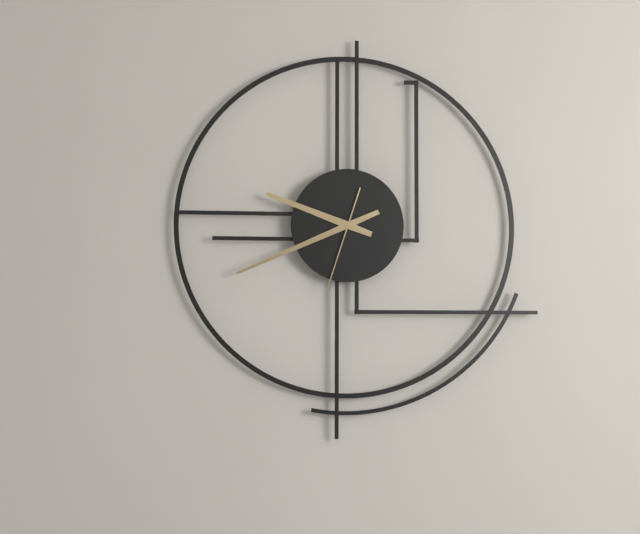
9:41:33
